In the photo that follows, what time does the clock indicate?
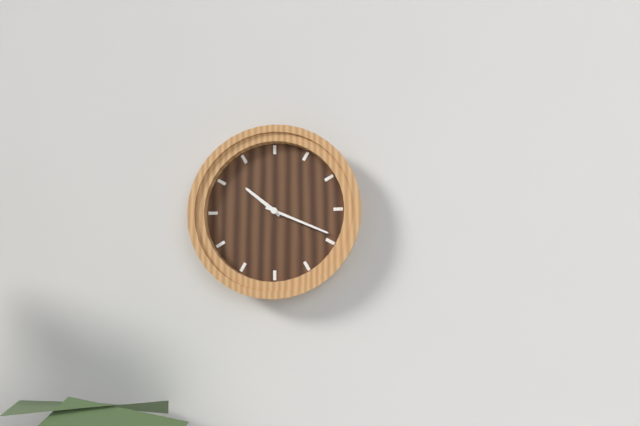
10:19
